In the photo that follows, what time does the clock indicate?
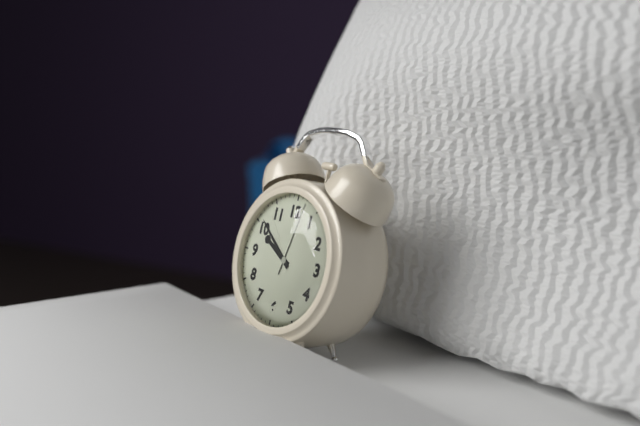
9:51:02
